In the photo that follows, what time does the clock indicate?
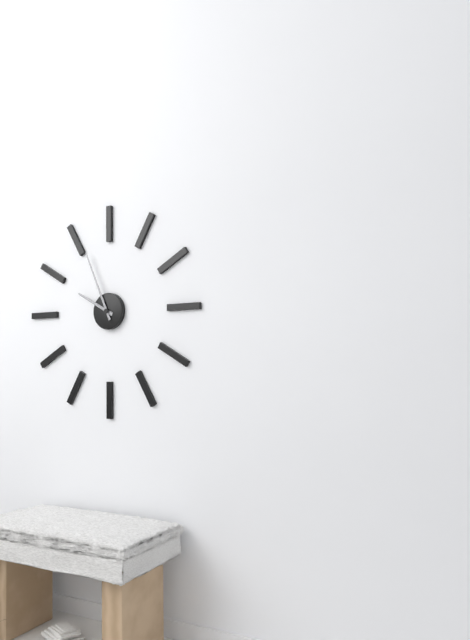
9:56
